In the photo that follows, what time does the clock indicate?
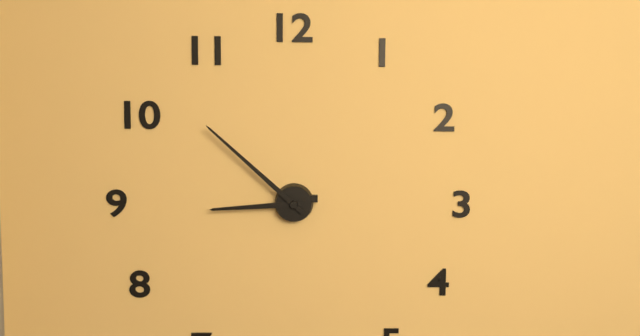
8:52
